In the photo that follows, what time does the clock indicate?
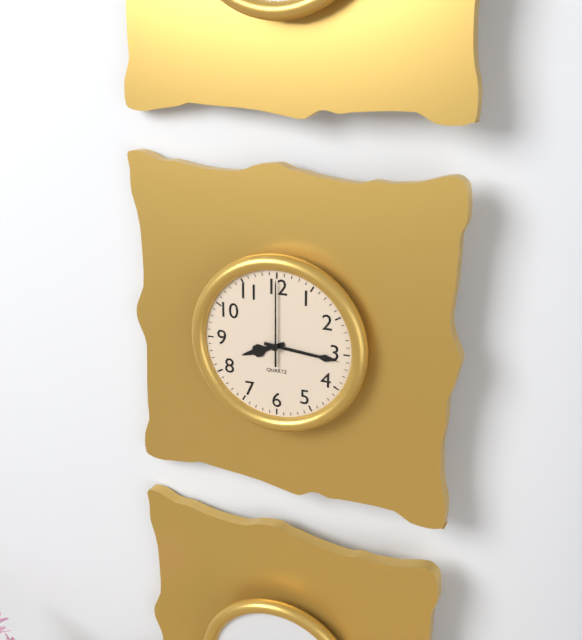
8:16:00
